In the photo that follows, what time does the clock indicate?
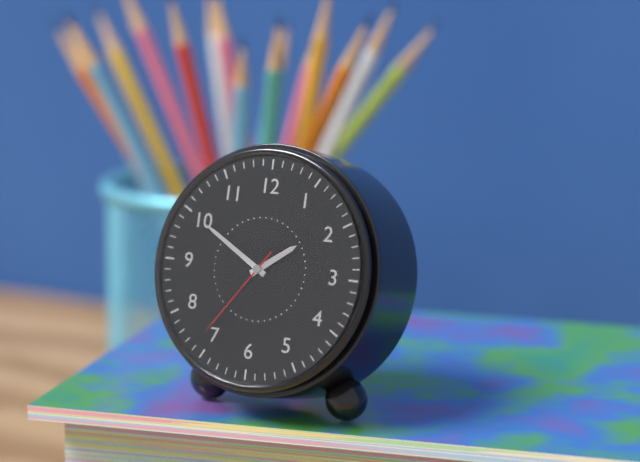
1:50:36
